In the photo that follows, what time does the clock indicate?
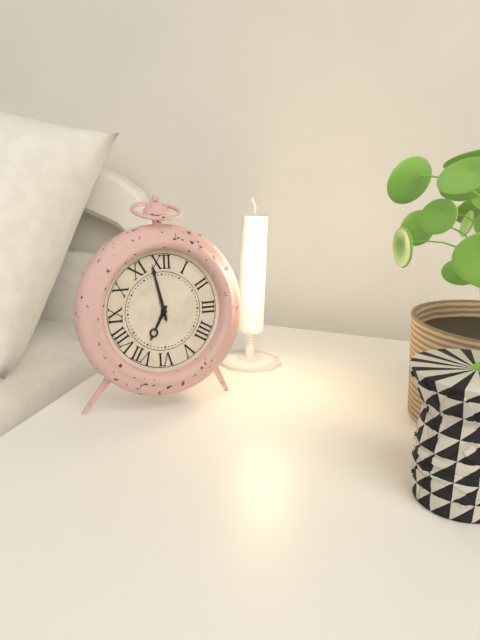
6:58
